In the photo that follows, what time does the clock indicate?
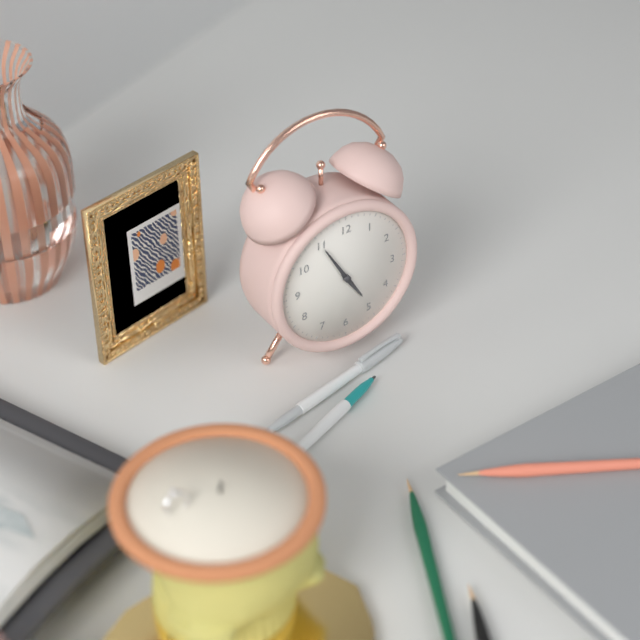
4:55
